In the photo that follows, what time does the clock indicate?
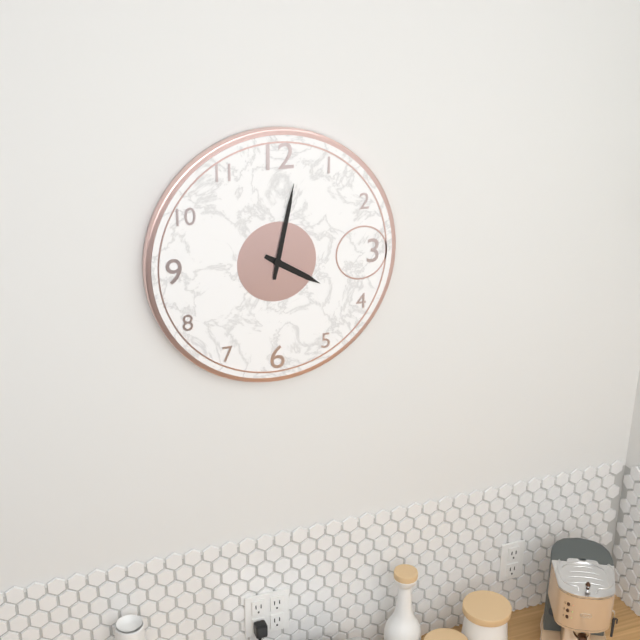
4:02
